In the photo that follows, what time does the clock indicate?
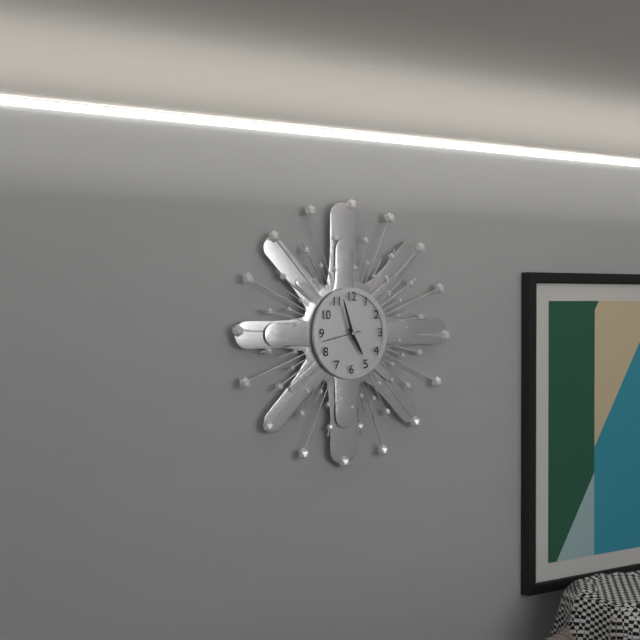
4:57
